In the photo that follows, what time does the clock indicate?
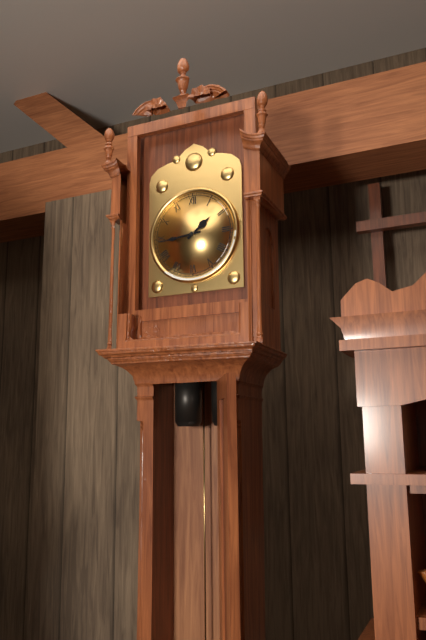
1:44
